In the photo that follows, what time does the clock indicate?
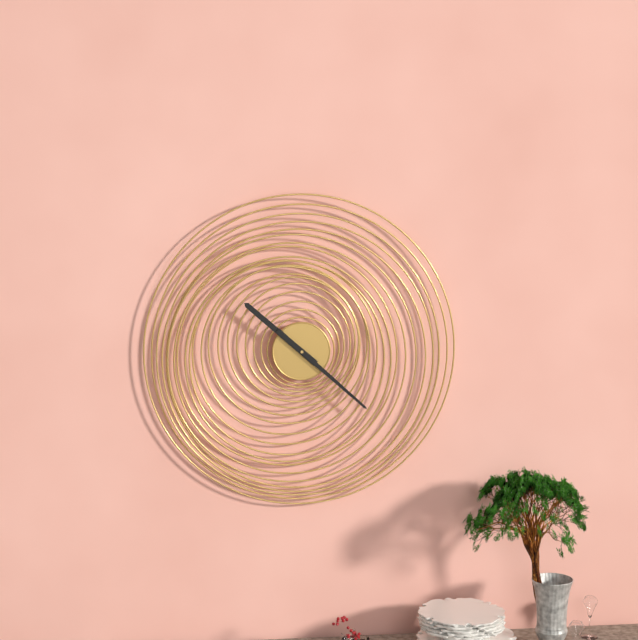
10:22
